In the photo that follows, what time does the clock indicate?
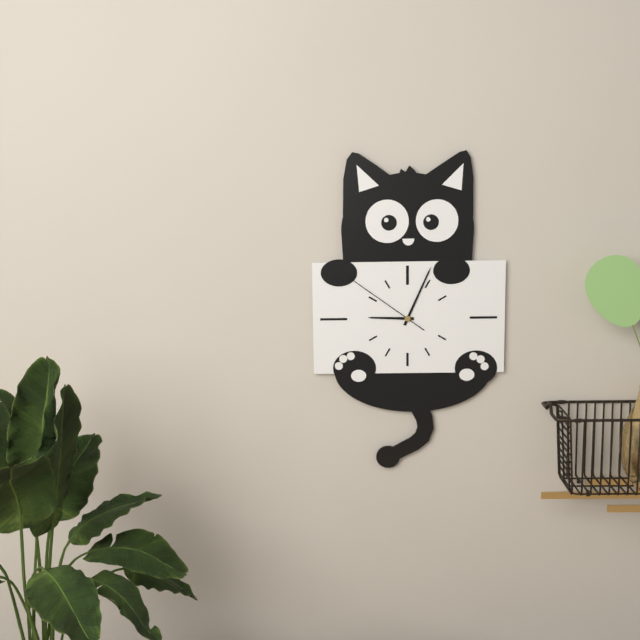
9:04:51
